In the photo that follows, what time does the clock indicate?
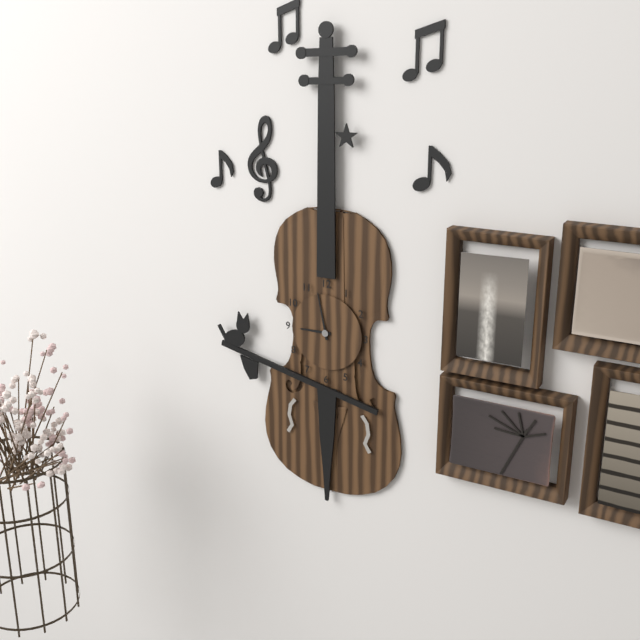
8:58
